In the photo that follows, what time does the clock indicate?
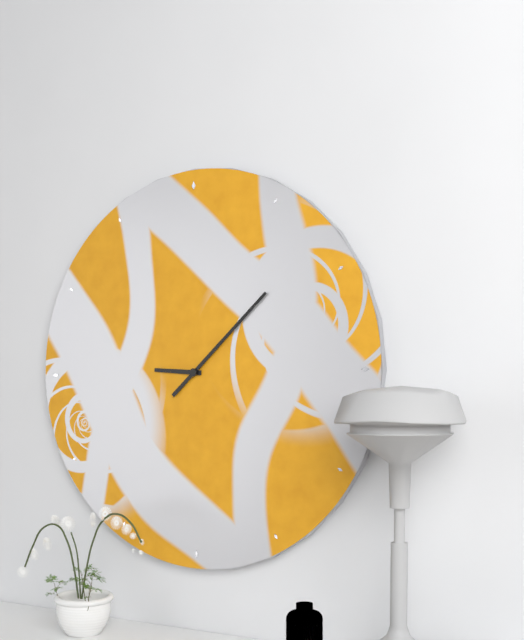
9:08
